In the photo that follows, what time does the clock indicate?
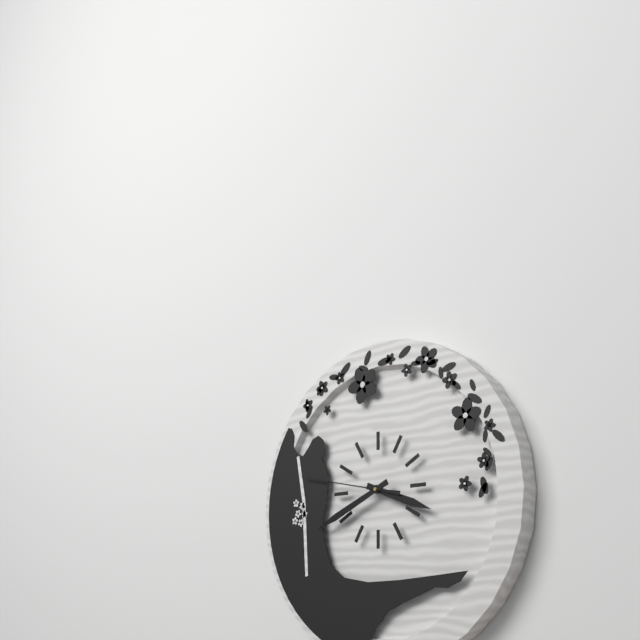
3:41:47
